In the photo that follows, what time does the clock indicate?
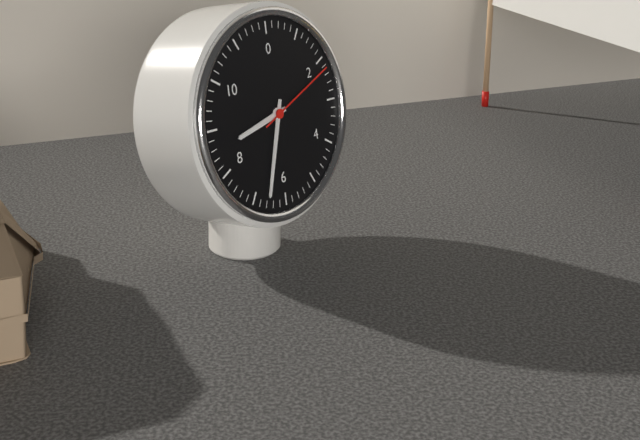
8:33:11
